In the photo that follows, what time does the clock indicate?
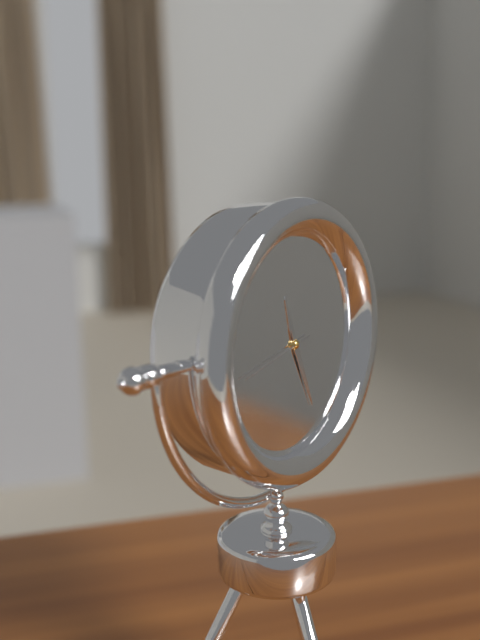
11:26:43
